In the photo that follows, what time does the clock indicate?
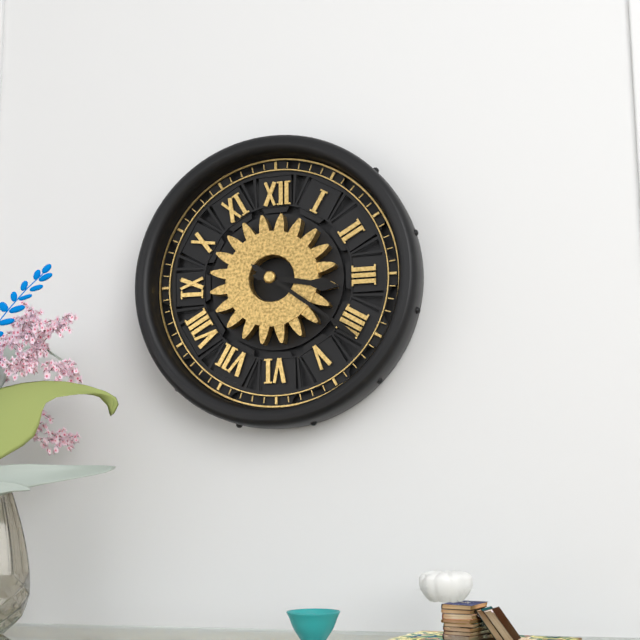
3:21
